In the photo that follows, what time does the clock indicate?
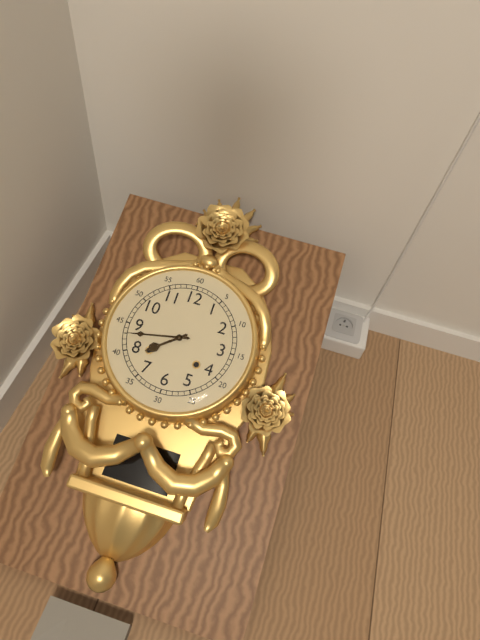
7:43
